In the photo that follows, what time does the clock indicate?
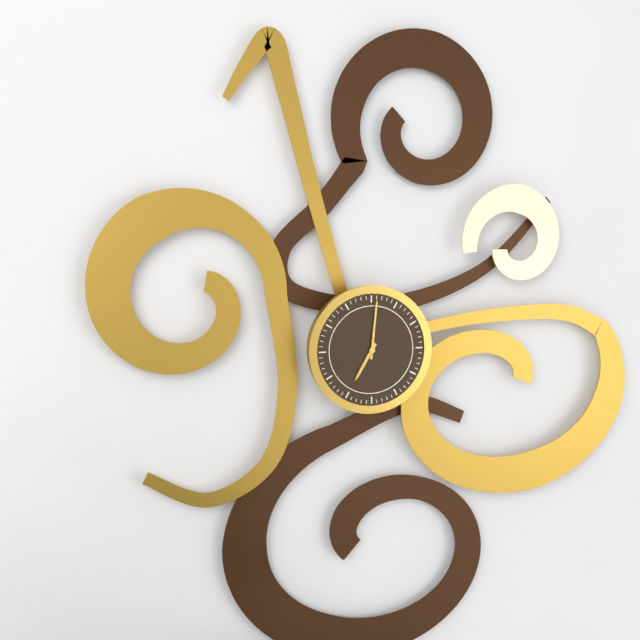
7:01
